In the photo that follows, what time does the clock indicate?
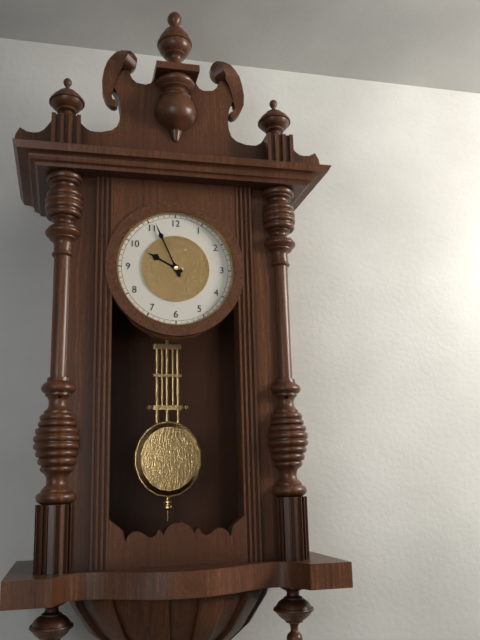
9:56
